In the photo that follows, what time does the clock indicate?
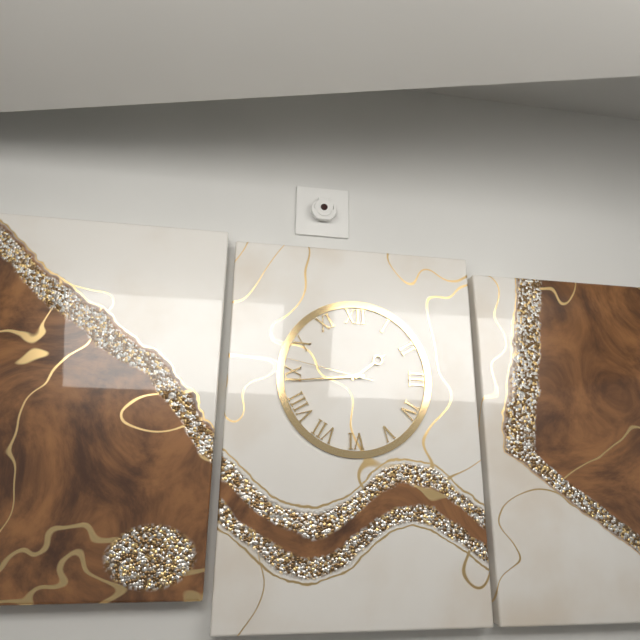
1:44:47
